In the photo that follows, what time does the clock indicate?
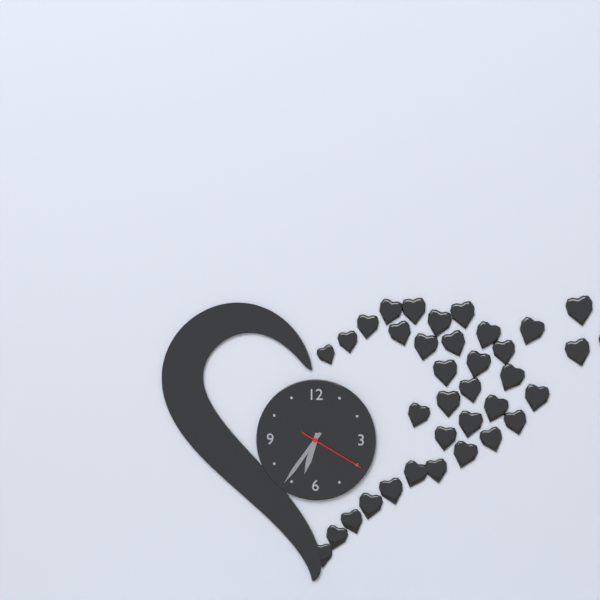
6:36:20
